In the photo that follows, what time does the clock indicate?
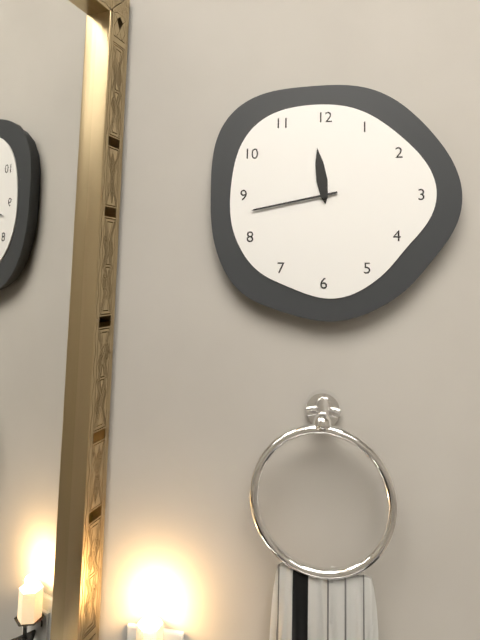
11:43
